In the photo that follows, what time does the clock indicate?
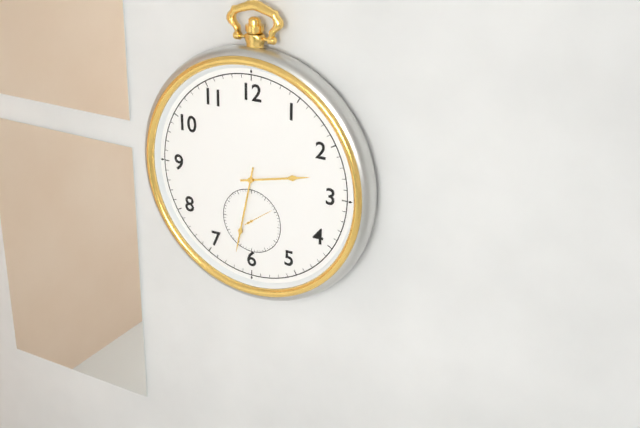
2:32
